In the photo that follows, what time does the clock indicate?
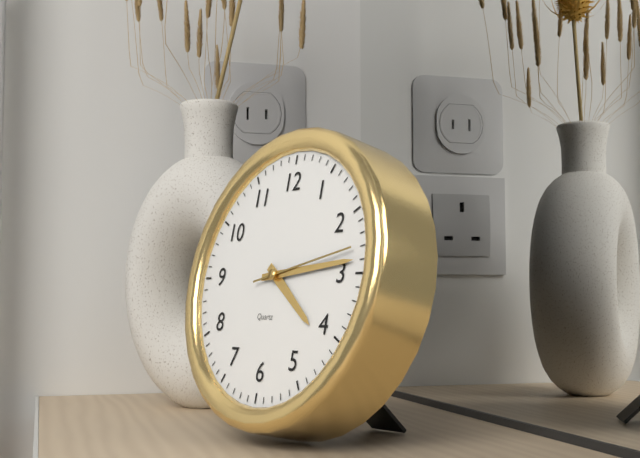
4:14:13
